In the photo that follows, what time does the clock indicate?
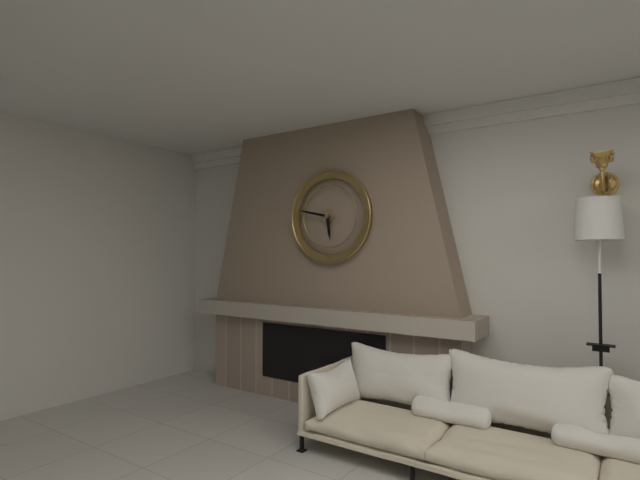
5:47
